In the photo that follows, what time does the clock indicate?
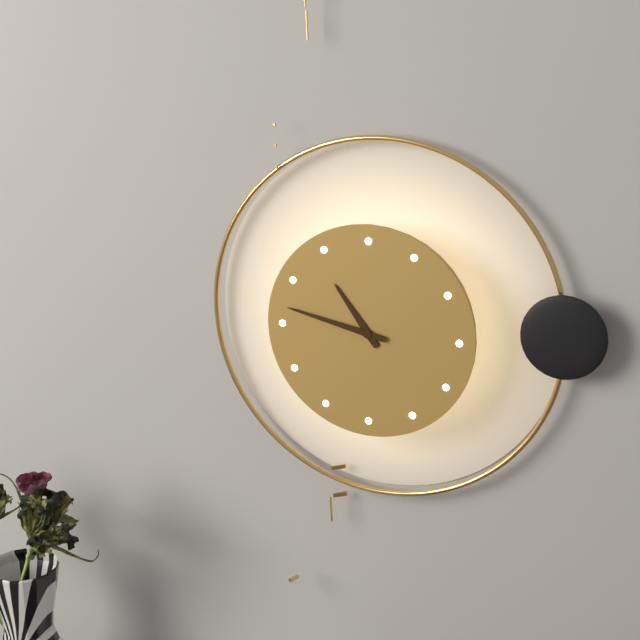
10:47
